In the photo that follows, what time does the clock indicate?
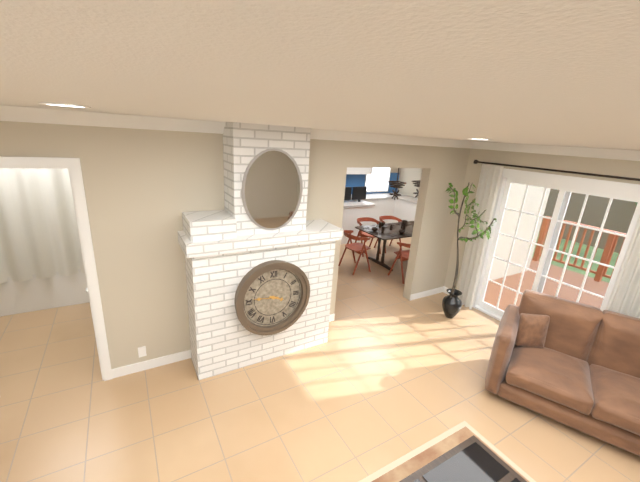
3:46
